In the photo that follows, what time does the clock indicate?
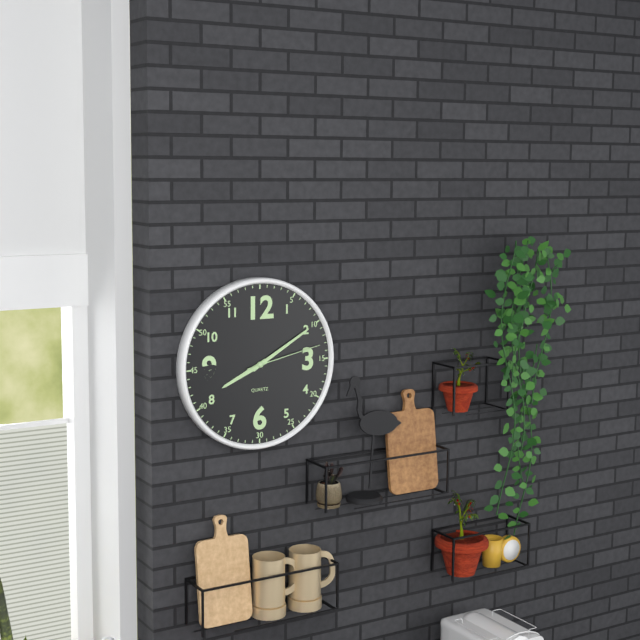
8:10:13
